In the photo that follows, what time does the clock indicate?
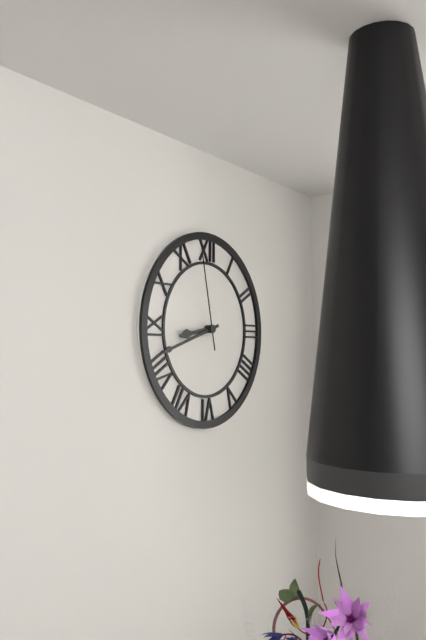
8:42:58
